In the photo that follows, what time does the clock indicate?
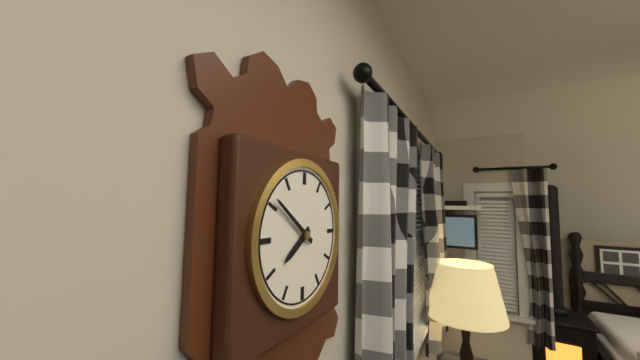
7:51
